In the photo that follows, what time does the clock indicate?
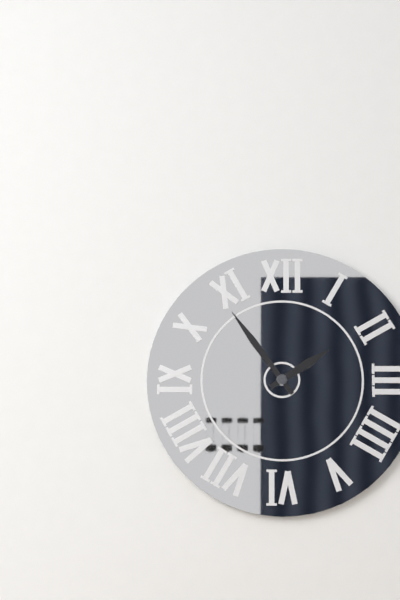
1:54
